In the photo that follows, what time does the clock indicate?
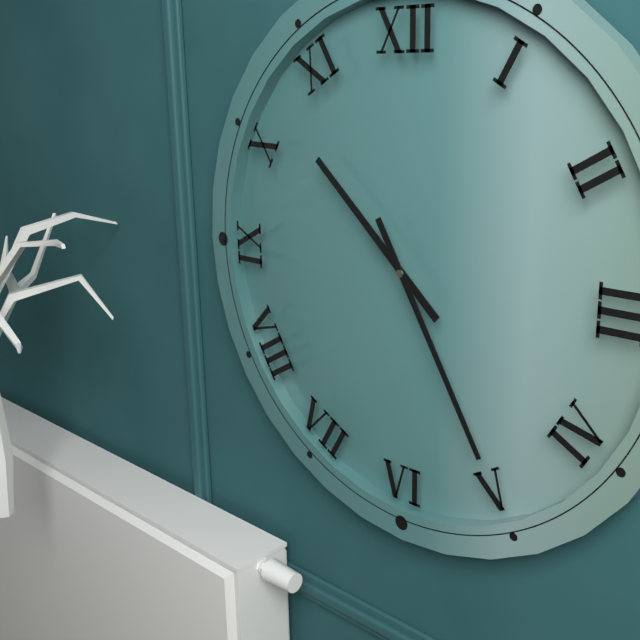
10:25
